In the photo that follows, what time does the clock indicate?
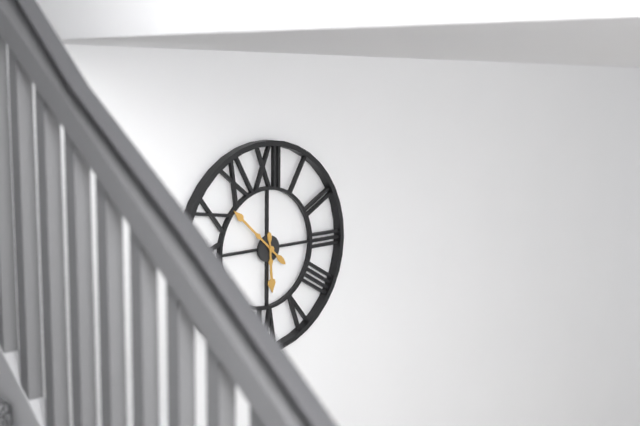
5:52
